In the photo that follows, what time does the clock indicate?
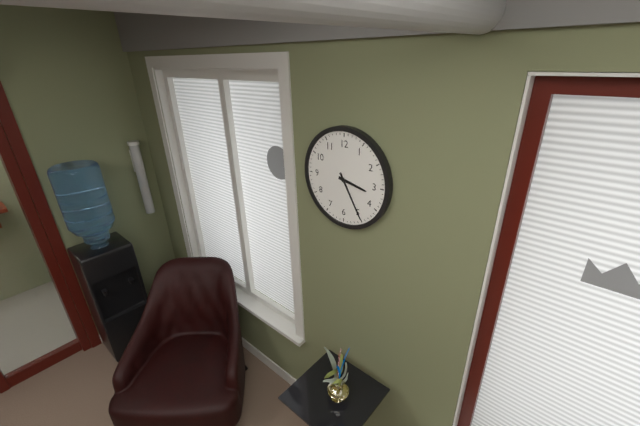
3:25
